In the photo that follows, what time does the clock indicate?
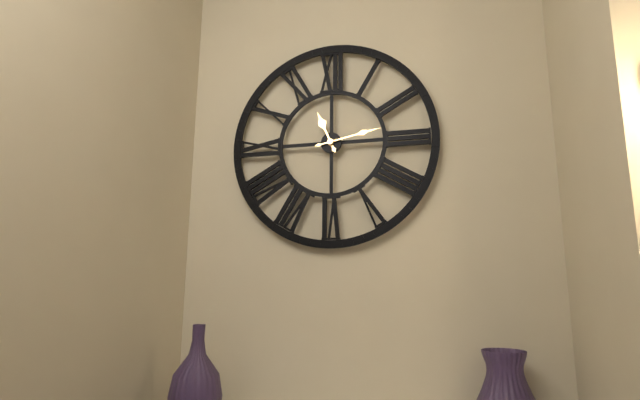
11:13
